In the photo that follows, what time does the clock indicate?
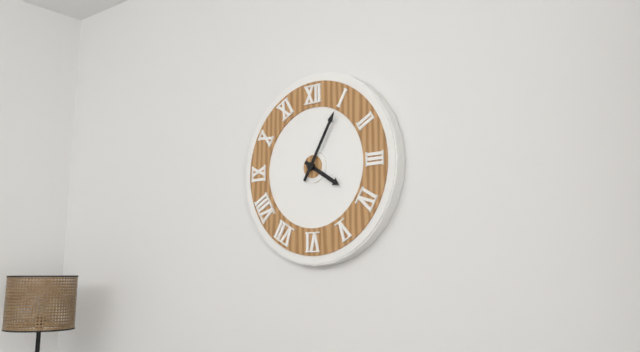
4:05
